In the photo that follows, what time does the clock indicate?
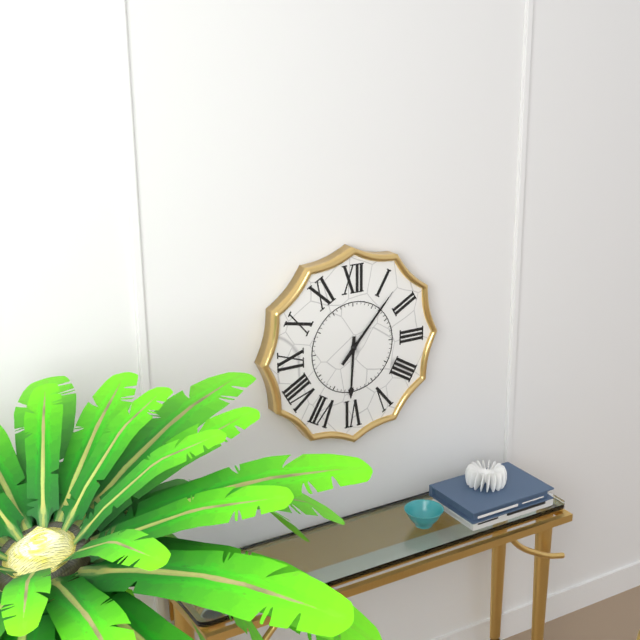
6:07
